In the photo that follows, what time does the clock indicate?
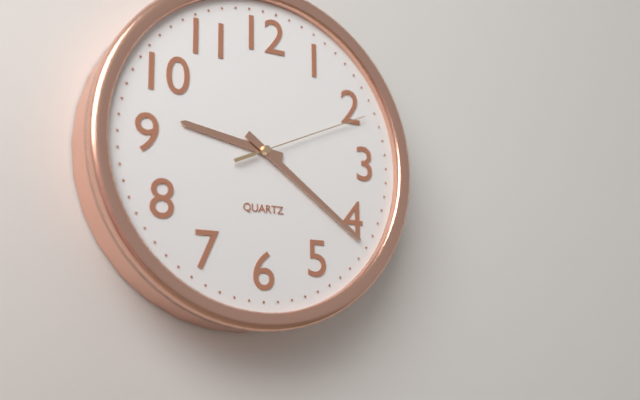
9:21:11
